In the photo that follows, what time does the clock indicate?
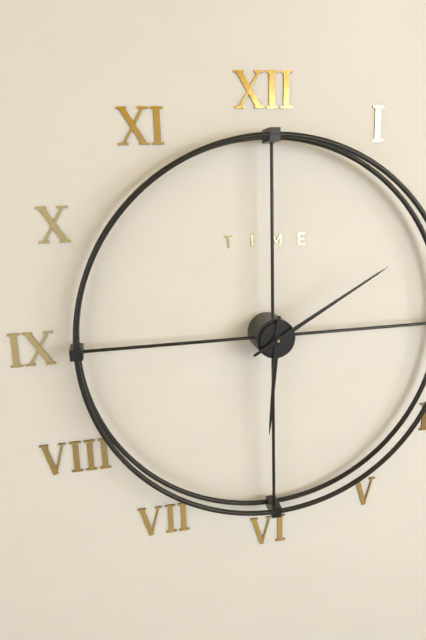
6:10
